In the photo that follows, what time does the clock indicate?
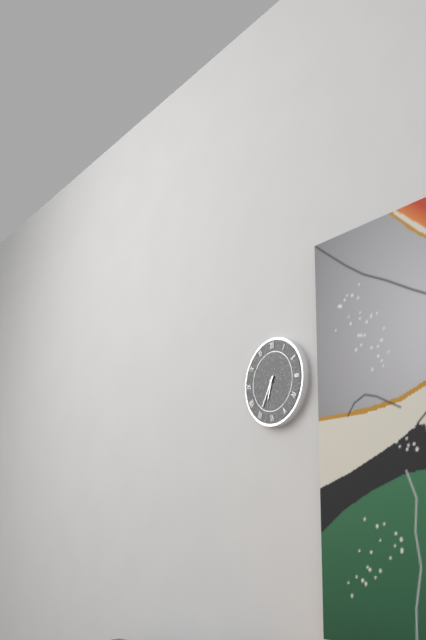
6:35
